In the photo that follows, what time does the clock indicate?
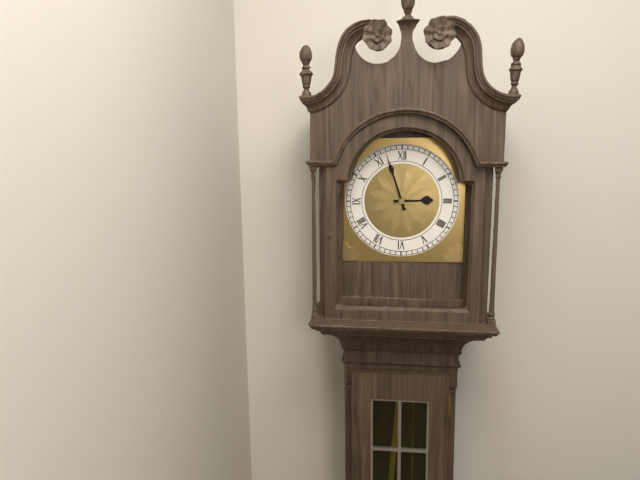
2:57
